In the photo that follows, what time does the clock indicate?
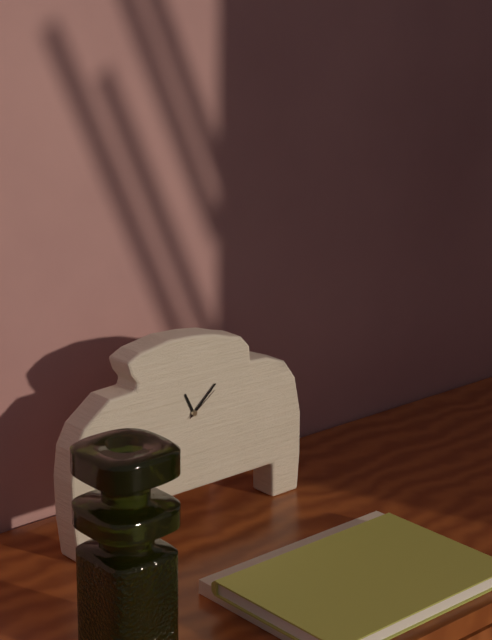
11:08
